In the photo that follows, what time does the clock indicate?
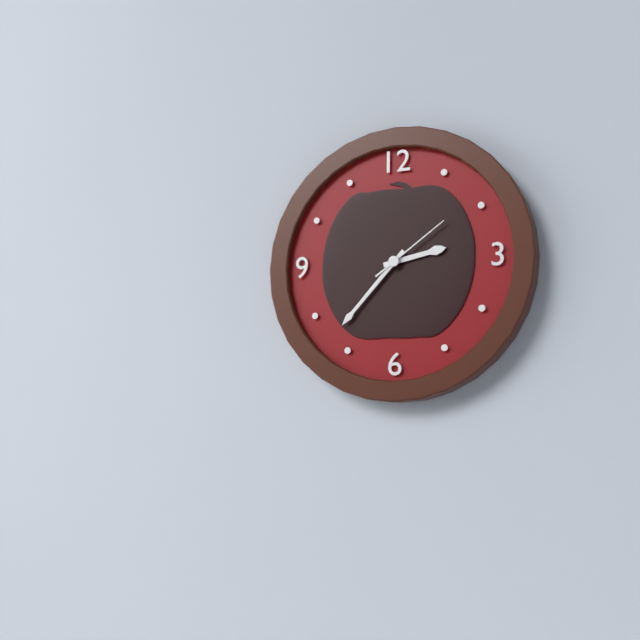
2:37:09
